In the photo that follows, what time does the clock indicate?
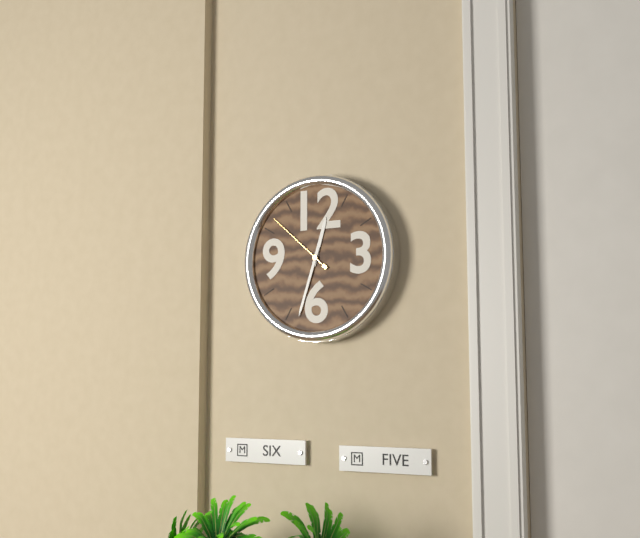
12:33:52
